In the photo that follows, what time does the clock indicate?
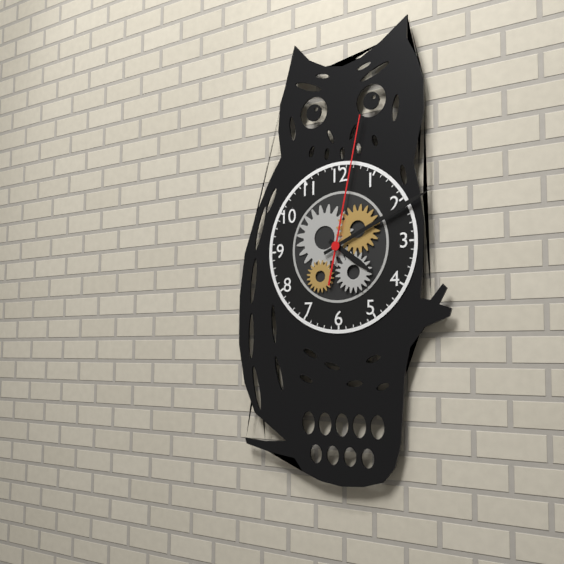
4:11:02
